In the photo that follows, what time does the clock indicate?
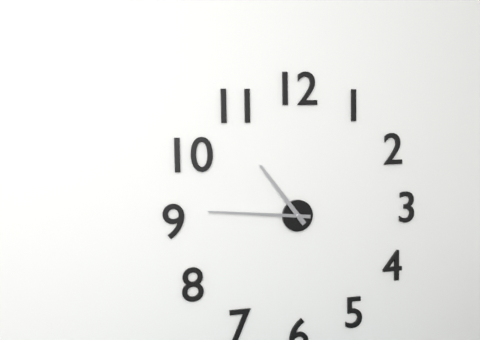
10:46
